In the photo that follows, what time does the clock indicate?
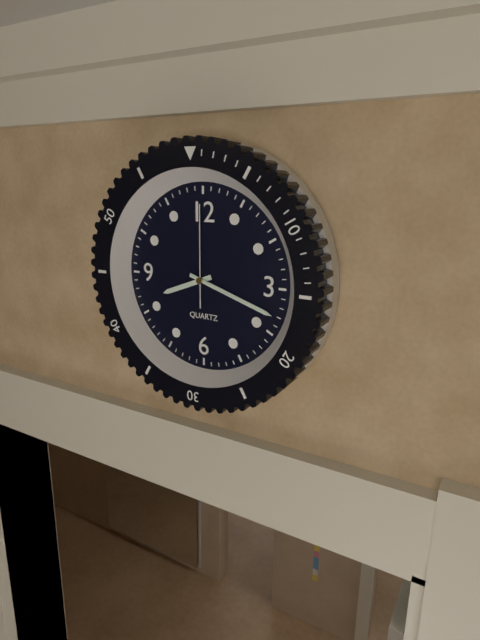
8:18:00
